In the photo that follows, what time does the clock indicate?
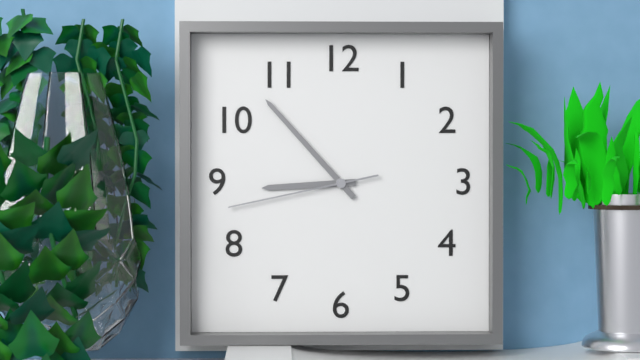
8:53:43
